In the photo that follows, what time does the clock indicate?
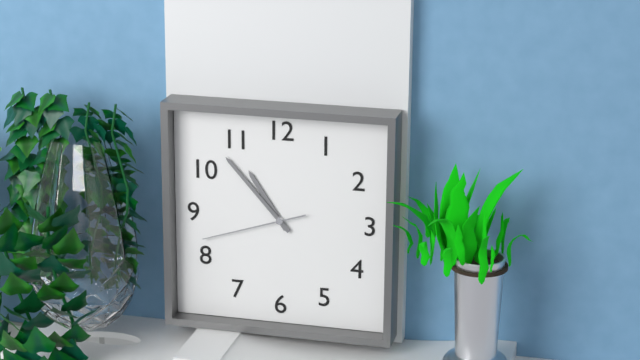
10:53:42
